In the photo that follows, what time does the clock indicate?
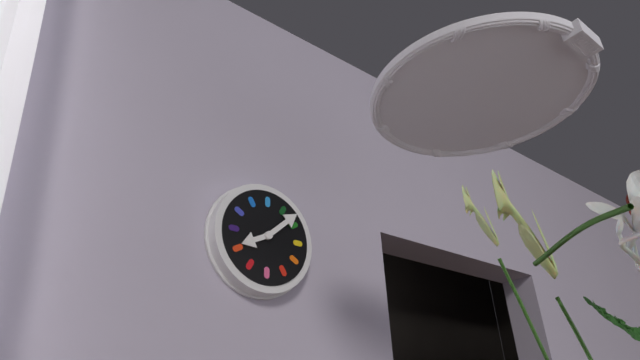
8:08
